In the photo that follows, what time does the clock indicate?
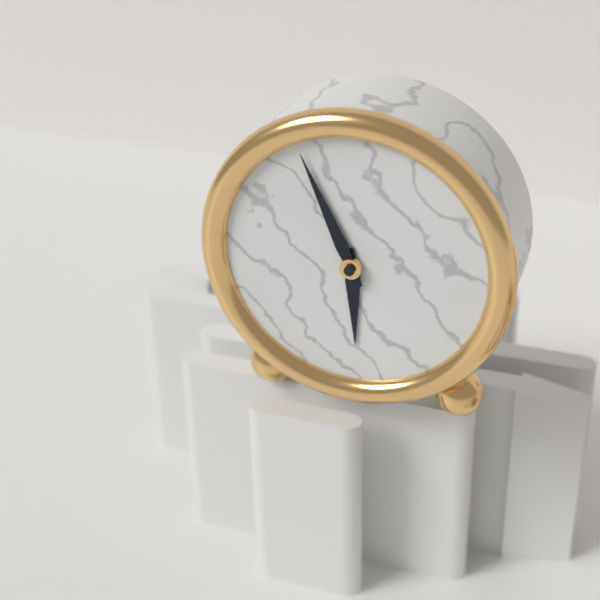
5:56
